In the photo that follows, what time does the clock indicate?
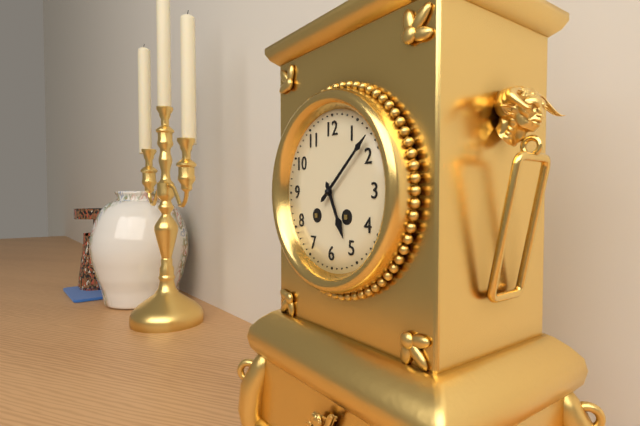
5:08
